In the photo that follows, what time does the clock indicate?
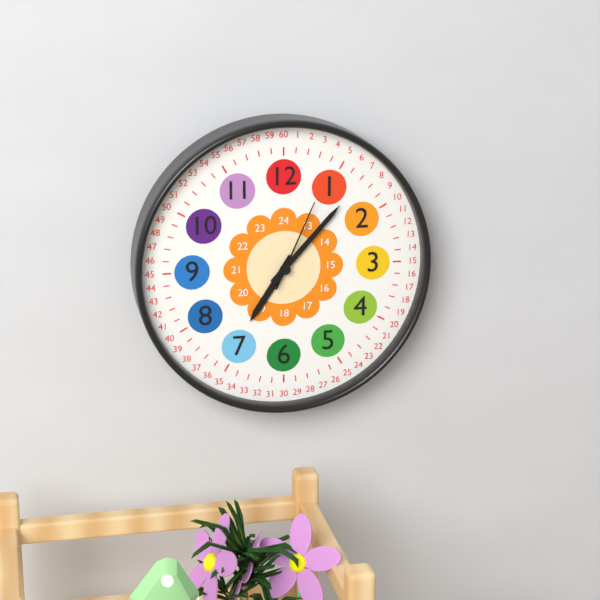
7:07:04
